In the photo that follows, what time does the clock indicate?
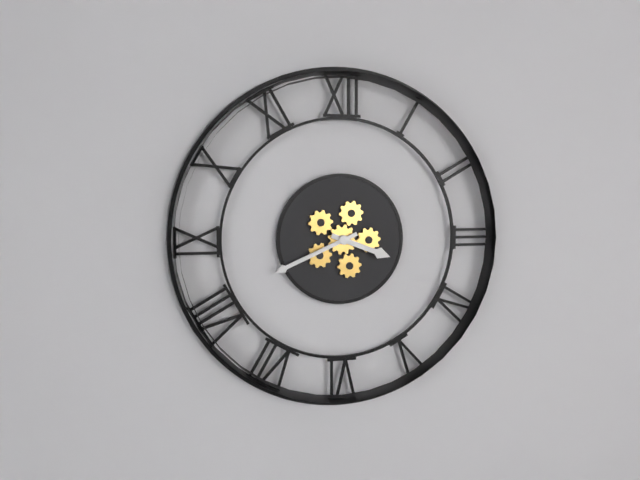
3:41
